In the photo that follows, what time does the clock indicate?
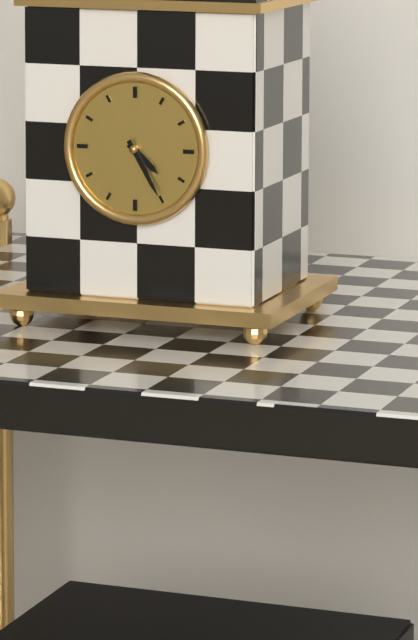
4:25
